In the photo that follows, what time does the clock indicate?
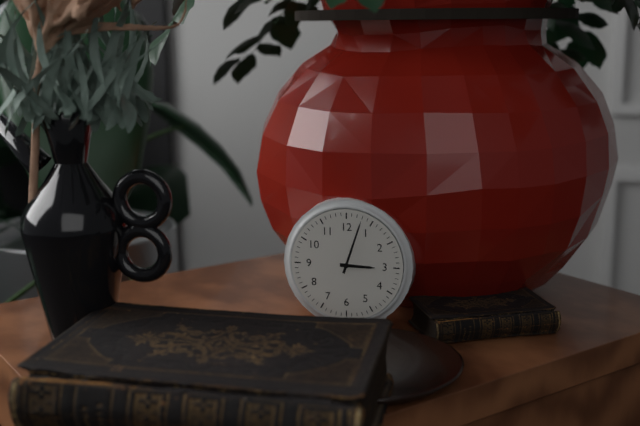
3:03
